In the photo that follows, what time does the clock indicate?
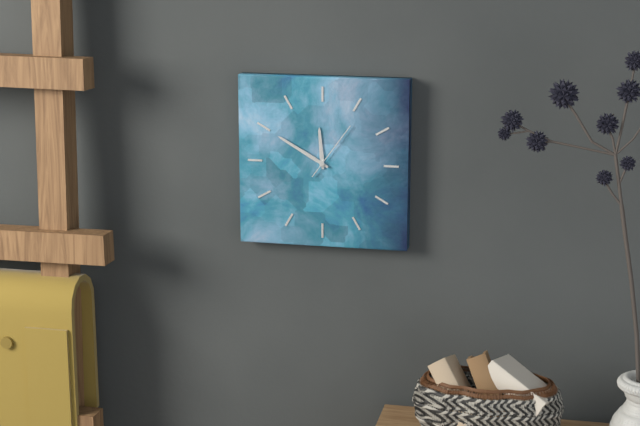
11:50:06
